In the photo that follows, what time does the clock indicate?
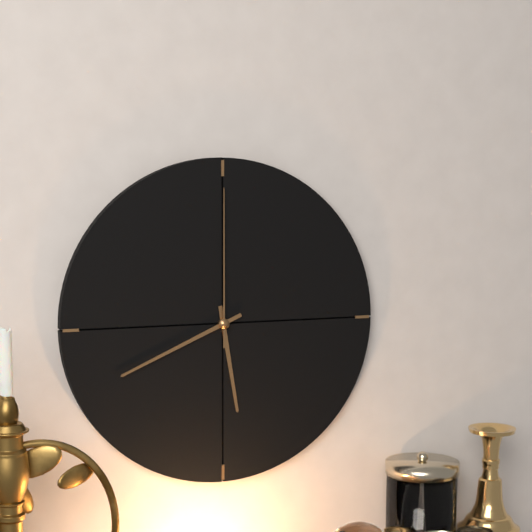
5:41:00
